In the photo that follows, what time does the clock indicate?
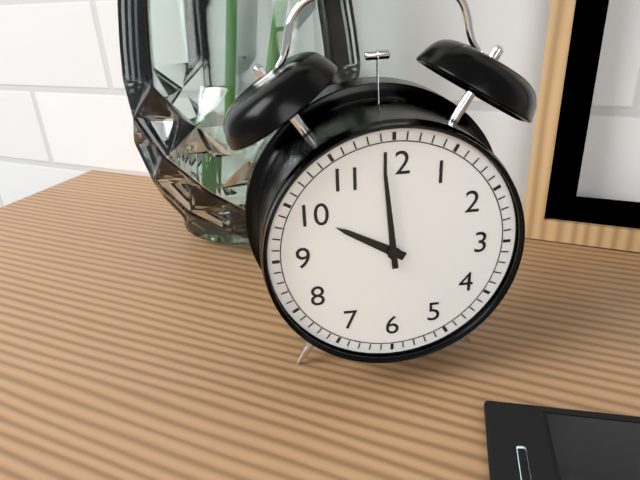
9:59
